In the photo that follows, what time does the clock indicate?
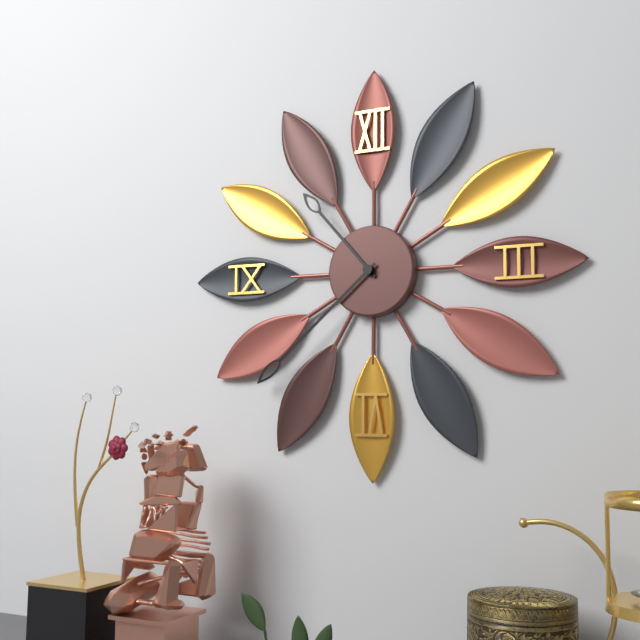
10:38
